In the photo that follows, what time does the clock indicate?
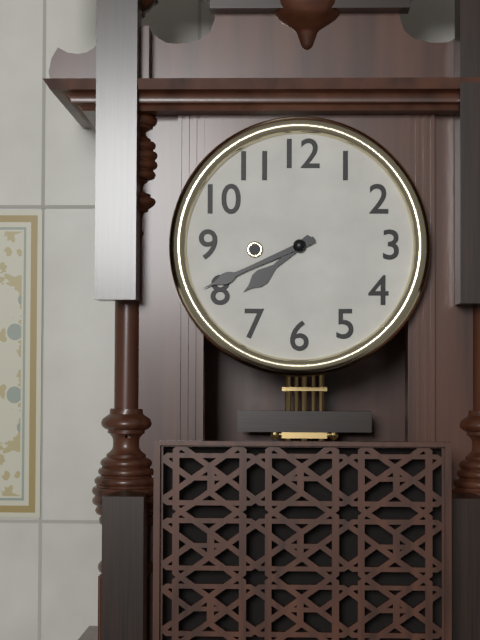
7:41
